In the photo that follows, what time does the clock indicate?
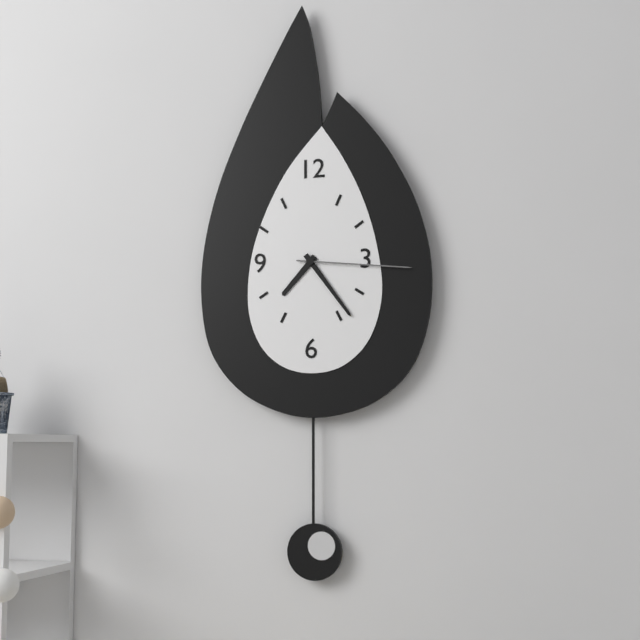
7:24:16
